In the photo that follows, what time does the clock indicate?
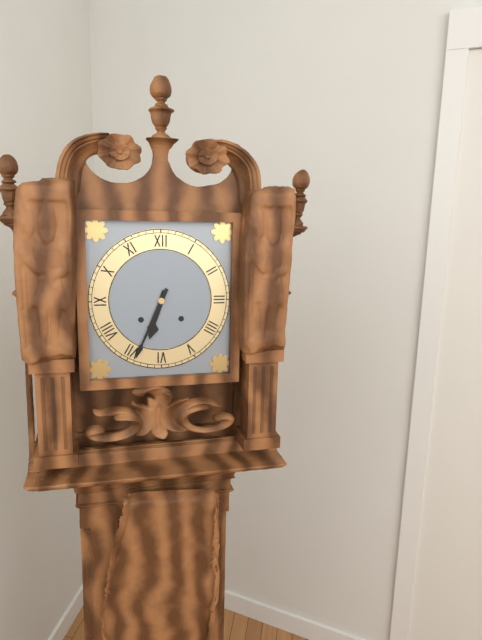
6:34
